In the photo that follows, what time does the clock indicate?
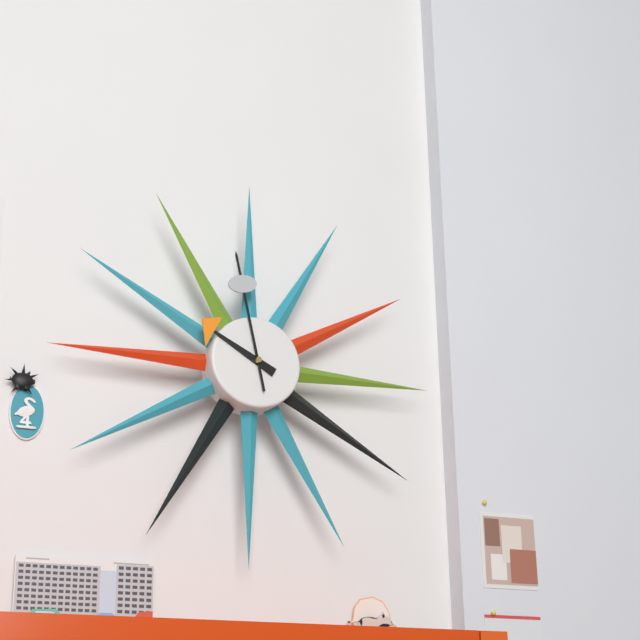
9:58
